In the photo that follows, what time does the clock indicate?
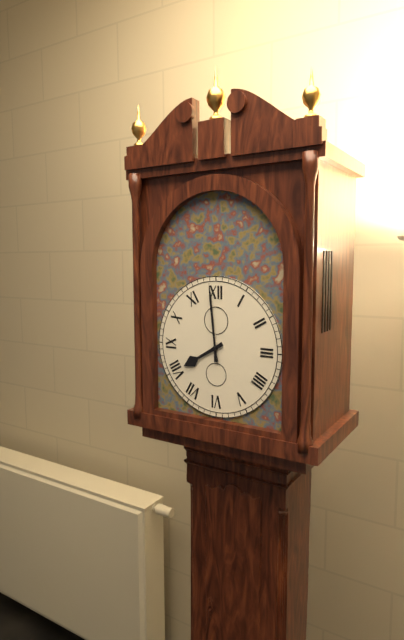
7:59
